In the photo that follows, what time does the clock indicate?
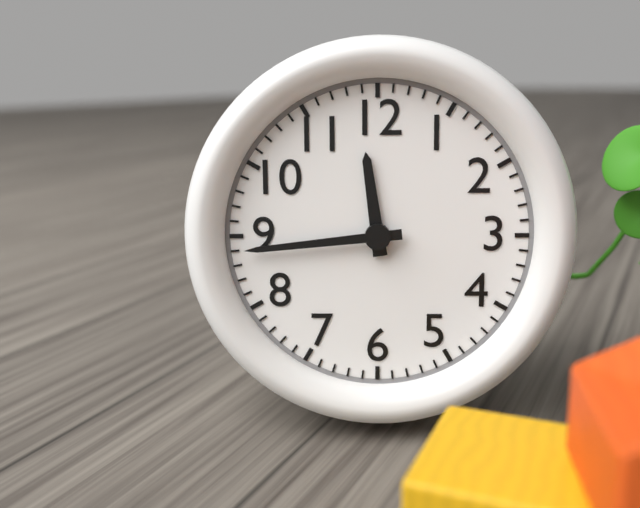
11:44
